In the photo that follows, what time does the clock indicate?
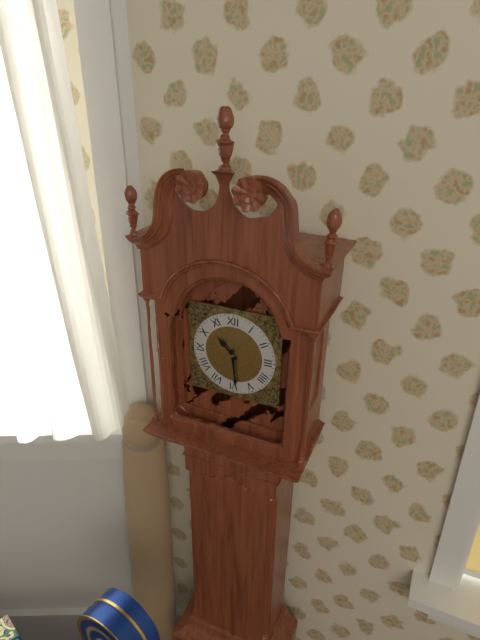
10:29
